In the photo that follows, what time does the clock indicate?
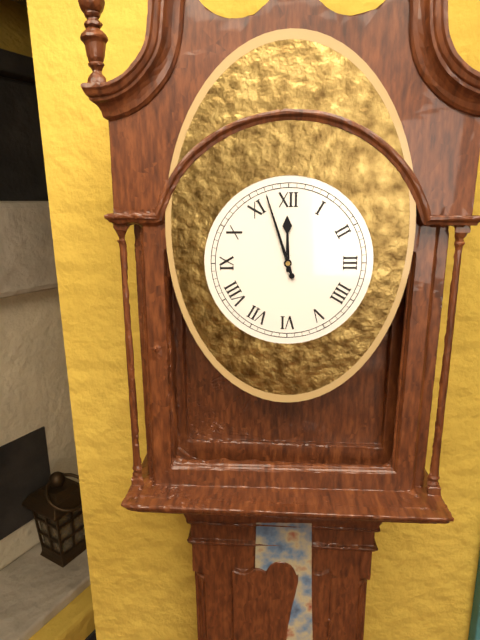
11:57
